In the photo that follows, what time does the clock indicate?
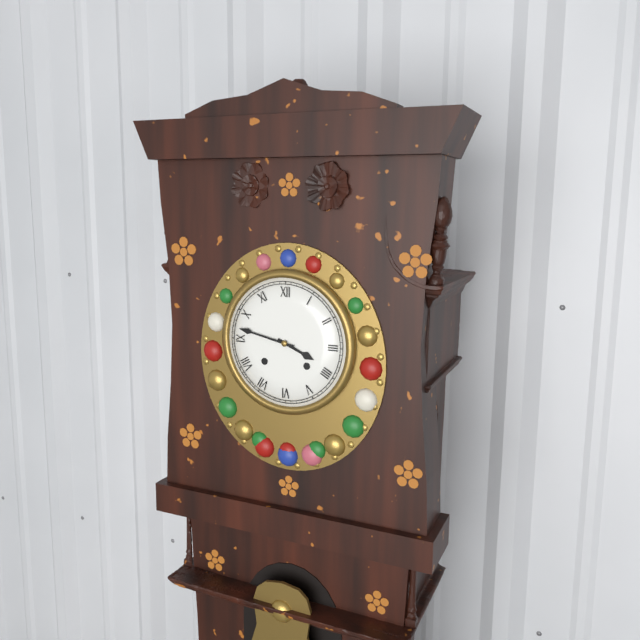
3:47
